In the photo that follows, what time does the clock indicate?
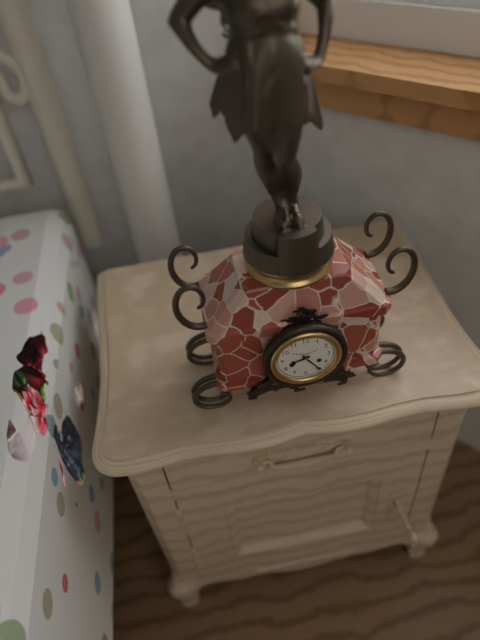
8:24
